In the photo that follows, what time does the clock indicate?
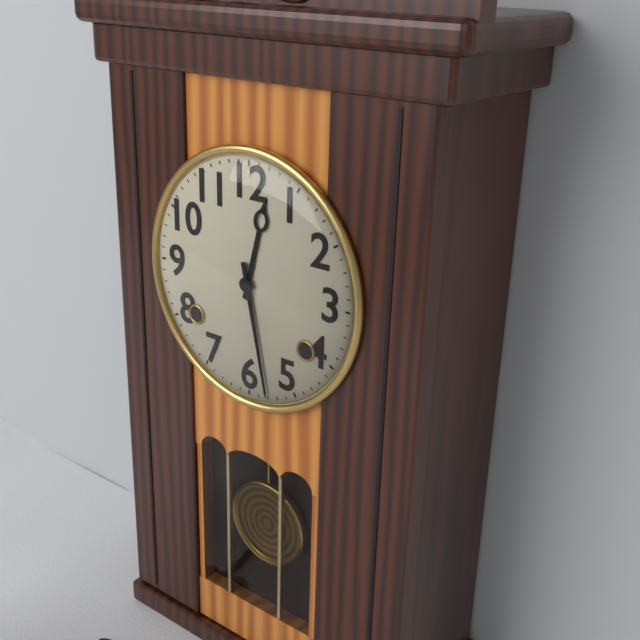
12:28
